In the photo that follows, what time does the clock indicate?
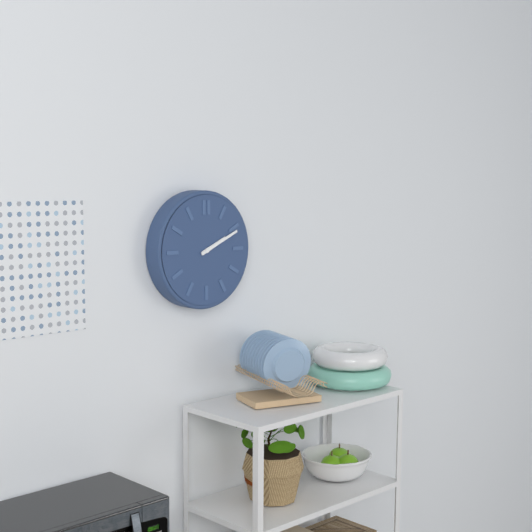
2:11
